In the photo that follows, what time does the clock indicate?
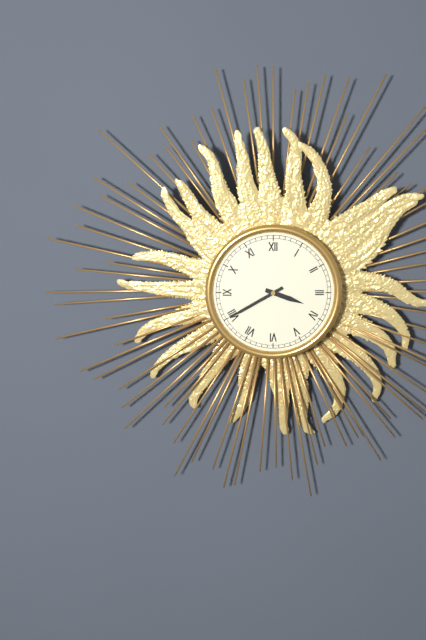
3:40
